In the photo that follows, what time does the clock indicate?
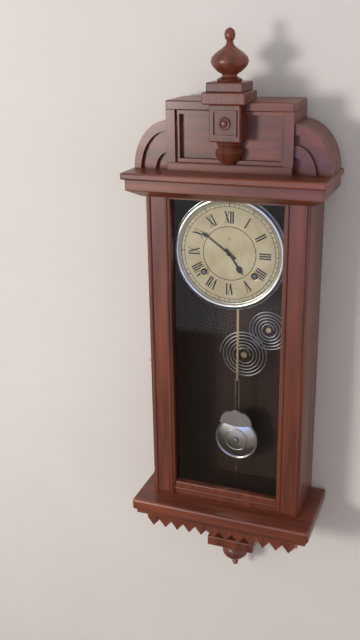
4:51
